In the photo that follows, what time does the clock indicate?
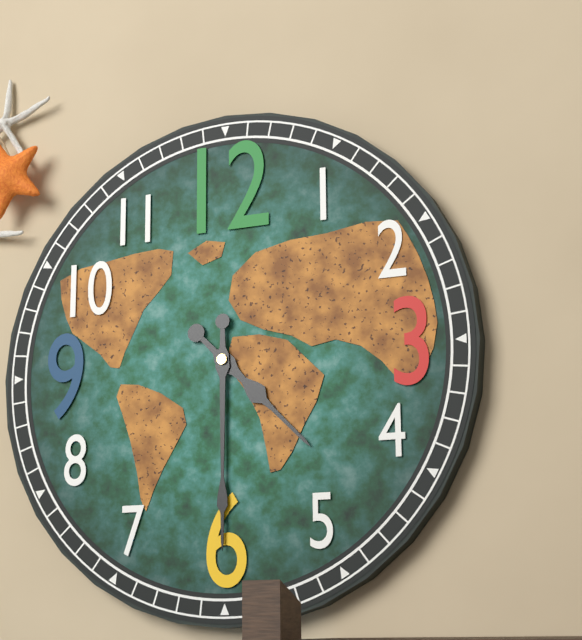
4:30
